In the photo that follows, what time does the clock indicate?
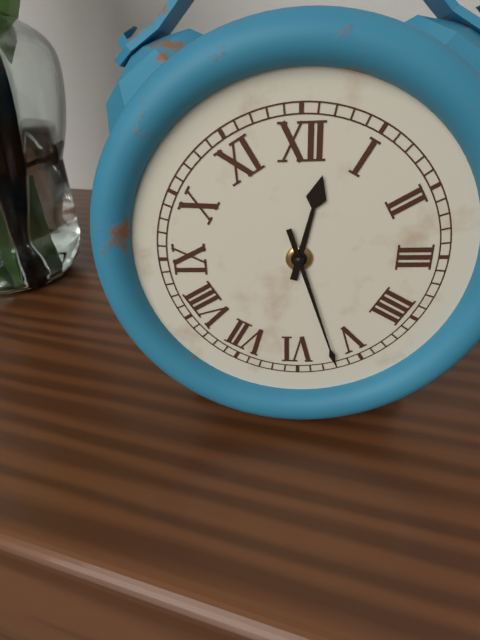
12:27
